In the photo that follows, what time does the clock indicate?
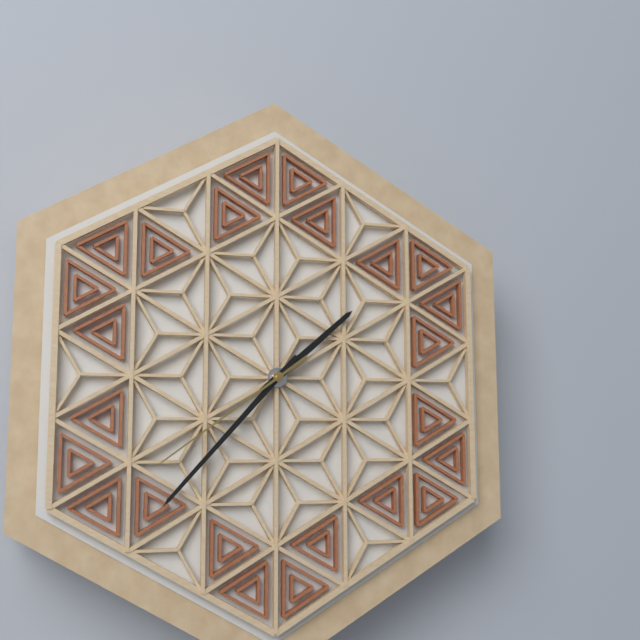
1:37:39
